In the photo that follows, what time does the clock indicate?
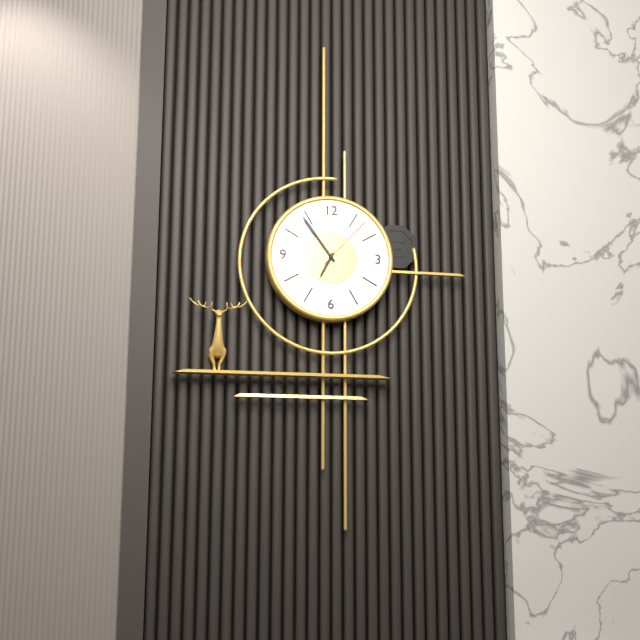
6:54:07
